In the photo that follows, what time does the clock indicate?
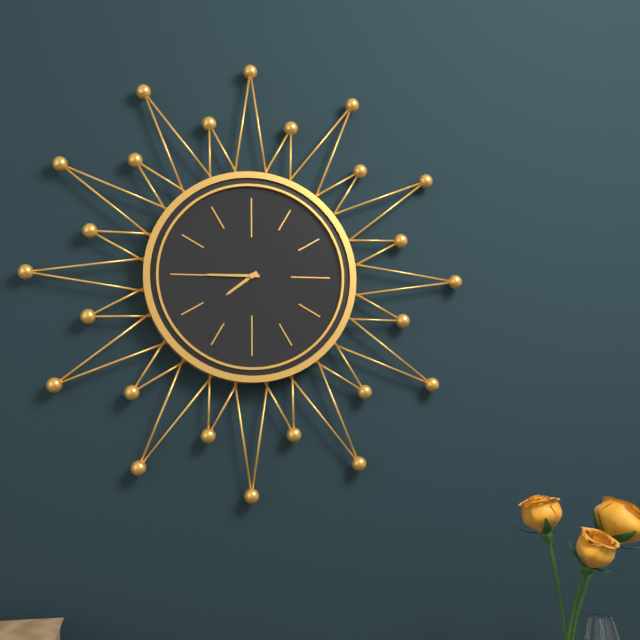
7:45
